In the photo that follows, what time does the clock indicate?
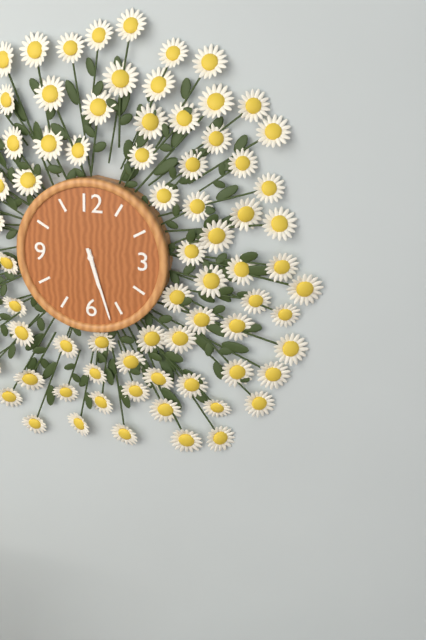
5:27
